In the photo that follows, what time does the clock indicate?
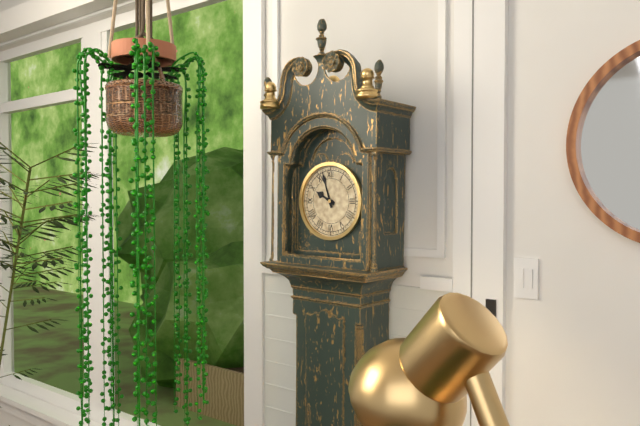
9:57
